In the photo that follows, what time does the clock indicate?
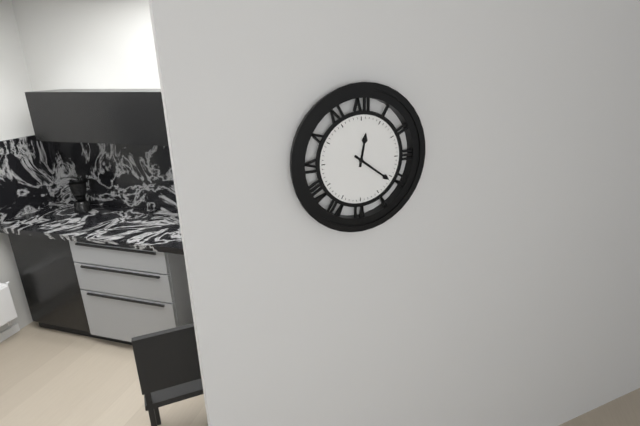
12:21
